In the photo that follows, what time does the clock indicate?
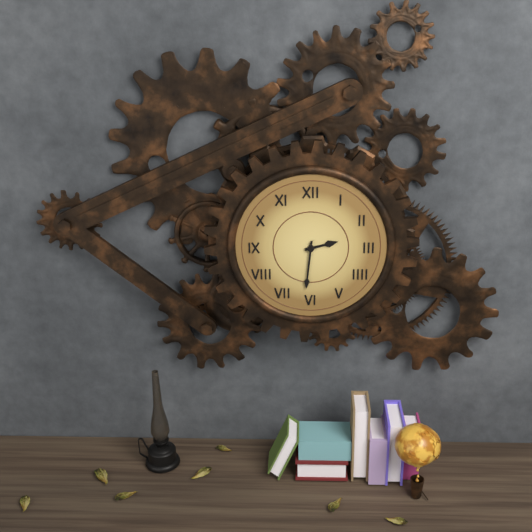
2:31
